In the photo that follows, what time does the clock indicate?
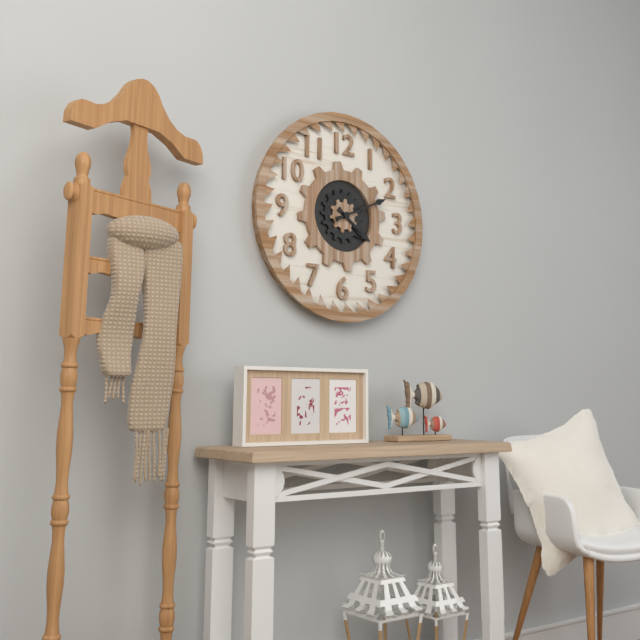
4:11
